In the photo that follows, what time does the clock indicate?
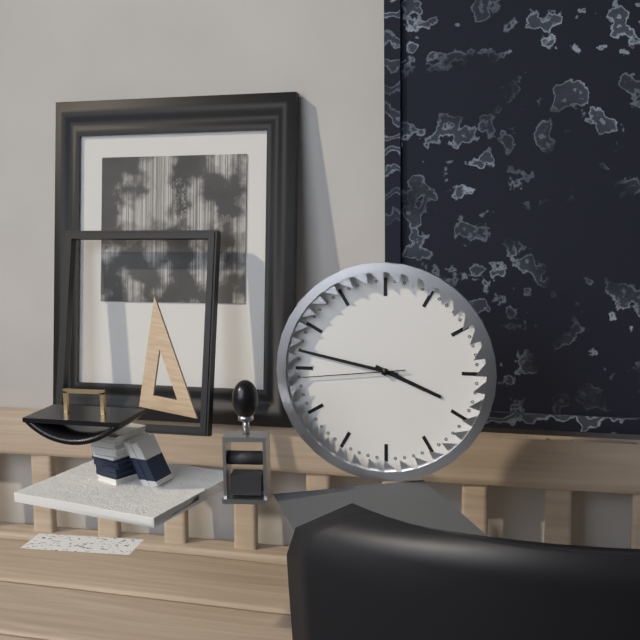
3:47:44
